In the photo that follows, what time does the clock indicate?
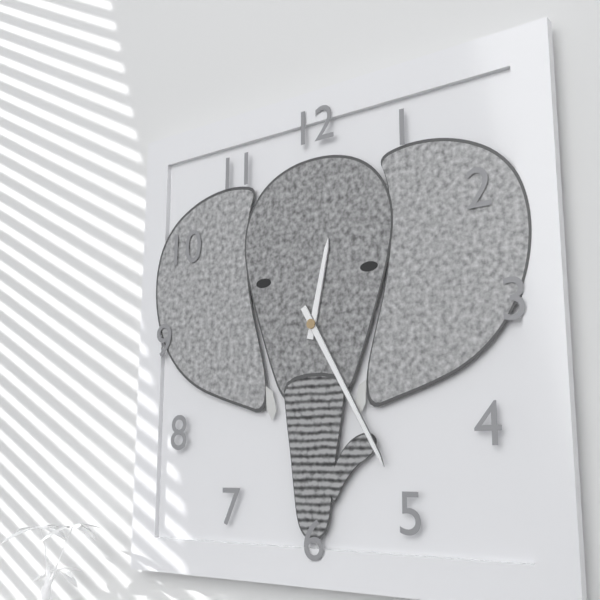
12:25
